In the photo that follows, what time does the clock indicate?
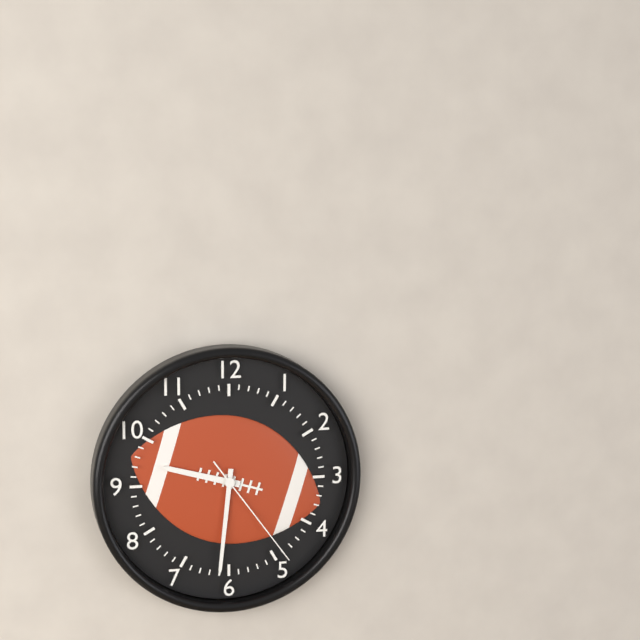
9:31:24
